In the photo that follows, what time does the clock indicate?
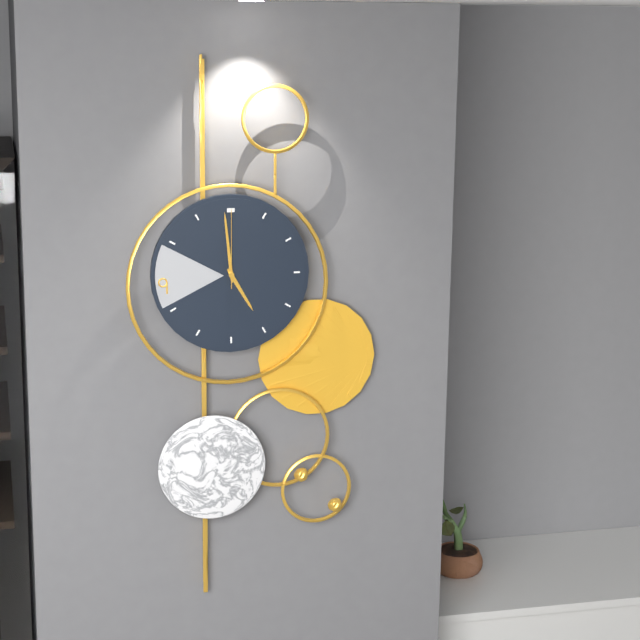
4:59:00
